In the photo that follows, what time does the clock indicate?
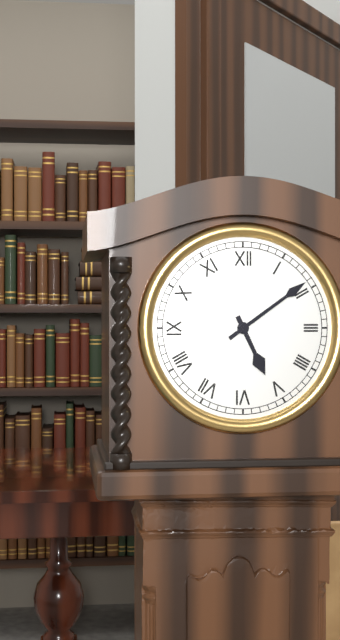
5:09
